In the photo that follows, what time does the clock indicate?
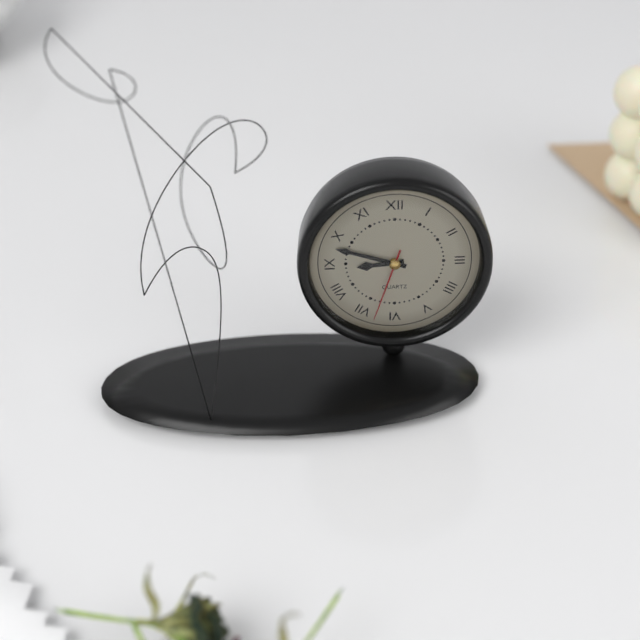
8:48:33
